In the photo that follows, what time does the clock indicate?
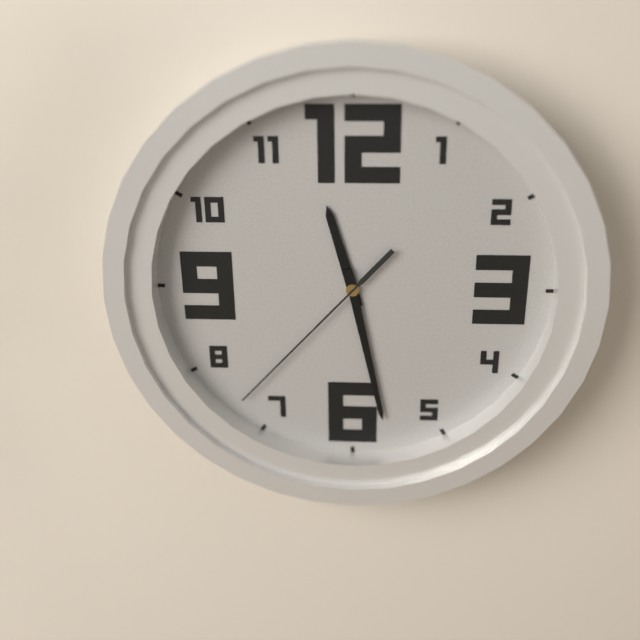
11:28:37
